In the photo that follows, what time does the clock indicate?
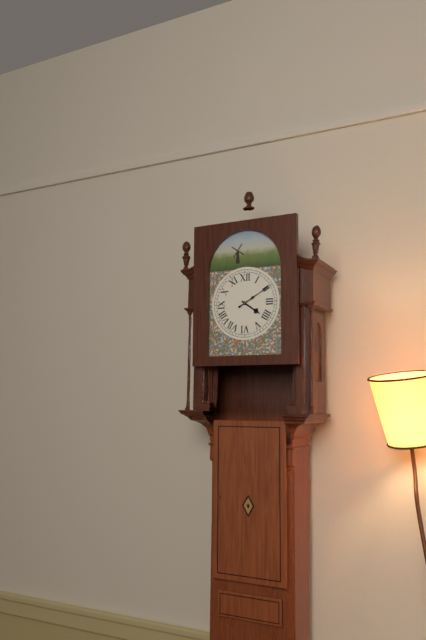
4:10
